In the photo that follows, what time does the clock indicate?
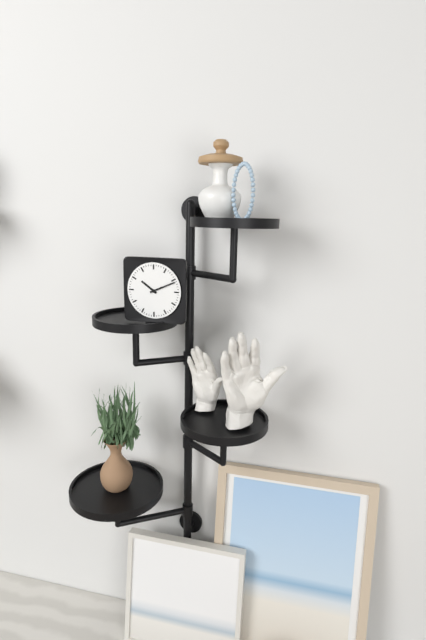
10:11
